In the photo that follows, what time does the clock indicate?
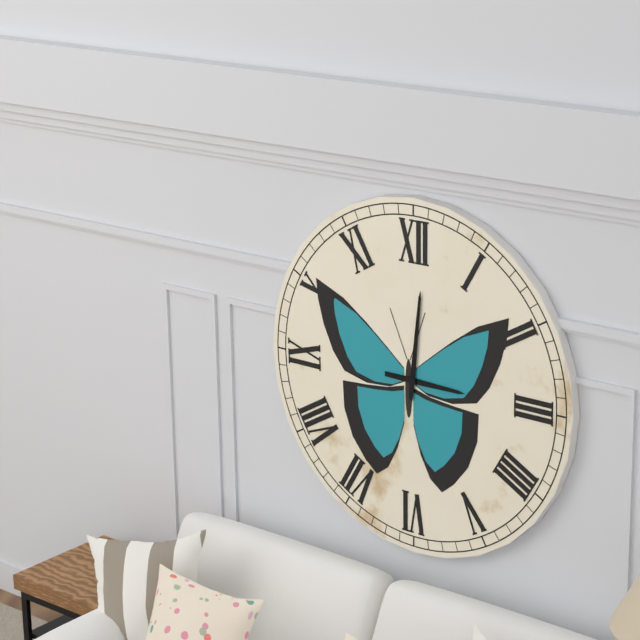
3:01
